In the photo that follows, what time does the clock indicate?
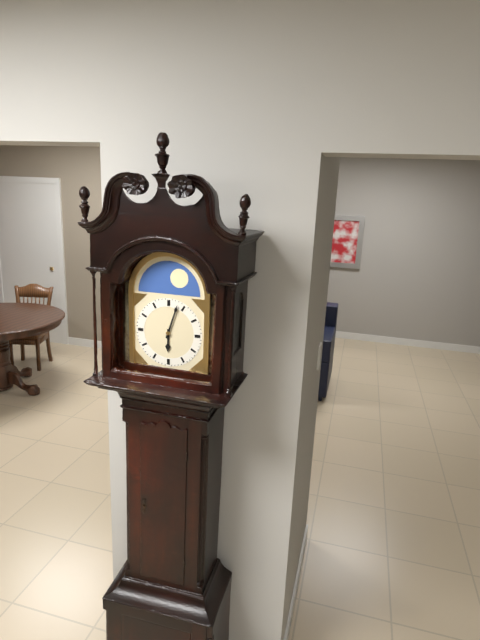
6:03
